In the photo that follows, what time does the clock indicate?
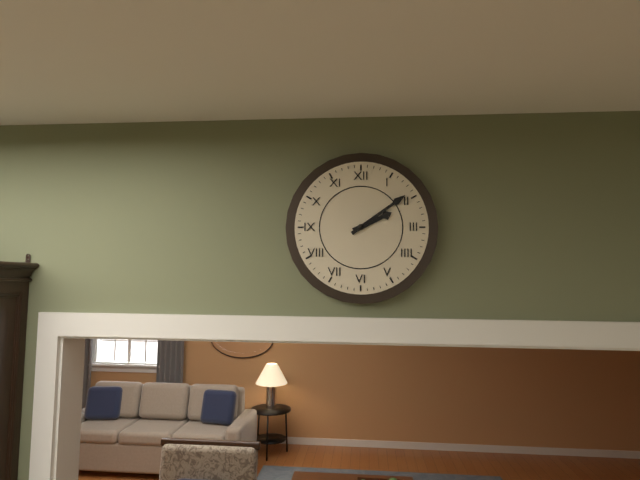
2:09
